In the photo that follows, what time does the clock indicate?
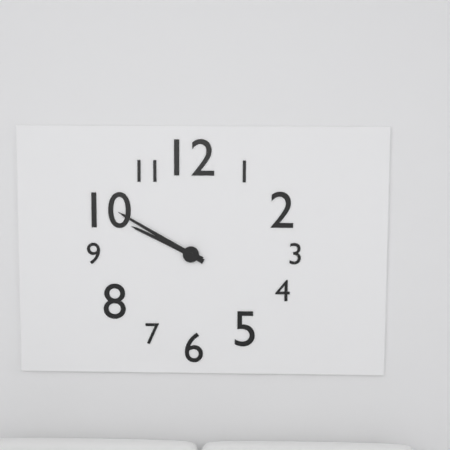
9:50
